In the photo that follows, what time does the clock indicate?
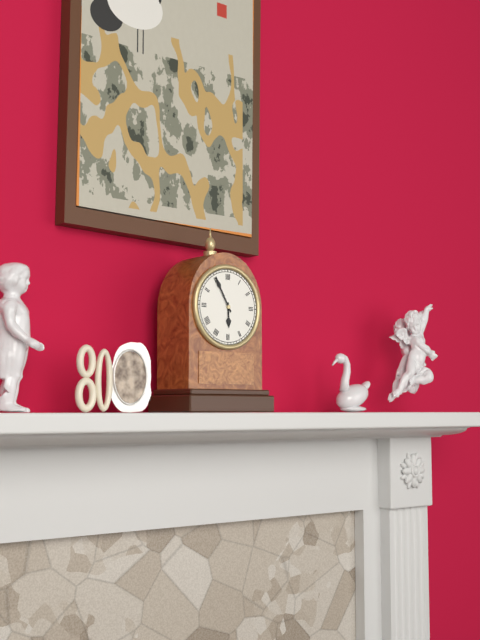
5:55
